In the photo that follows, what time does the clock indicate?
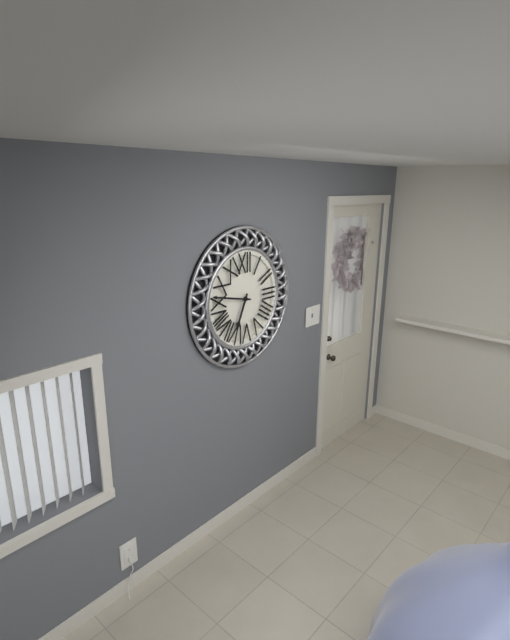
6:47
